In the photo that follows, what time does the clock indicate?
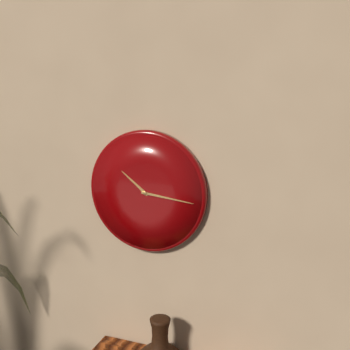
10:16
